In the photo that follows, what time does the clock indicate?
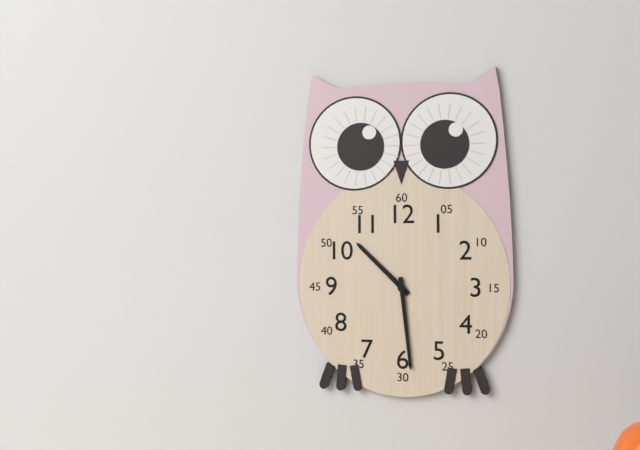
10:29
